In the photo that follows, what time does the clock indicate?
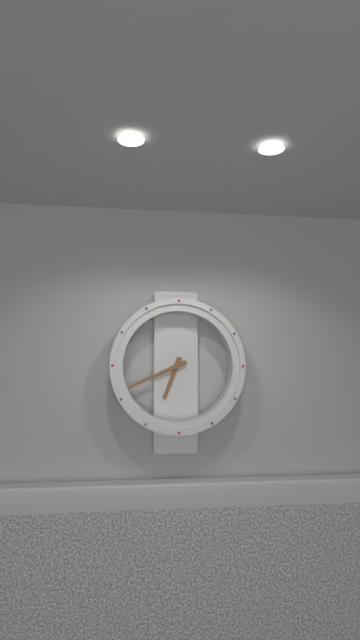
6:41
